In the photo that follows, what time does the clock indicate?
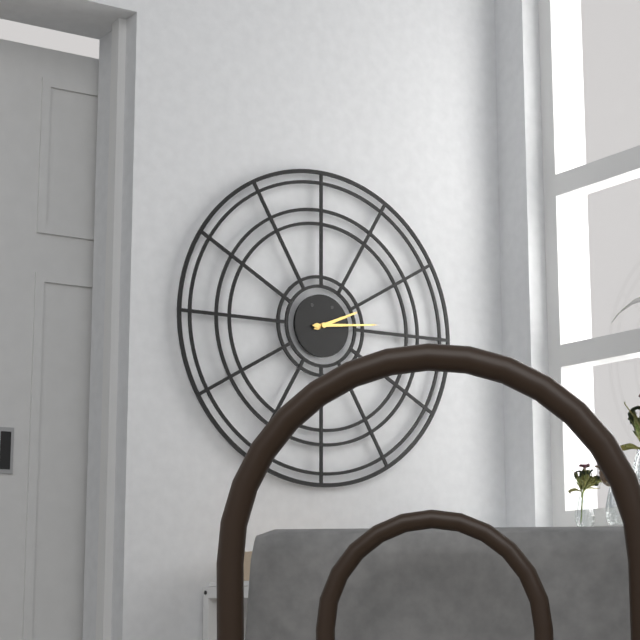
2:14
